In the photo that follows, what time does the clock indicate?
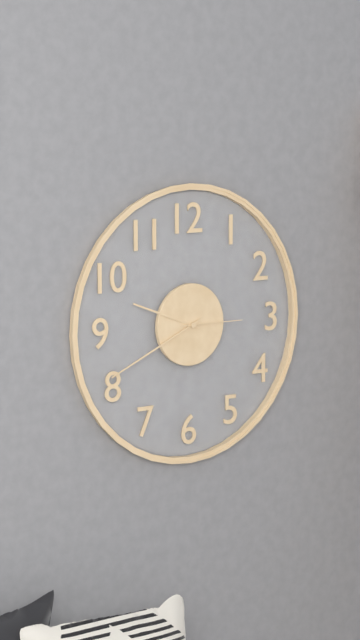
9:41:15
